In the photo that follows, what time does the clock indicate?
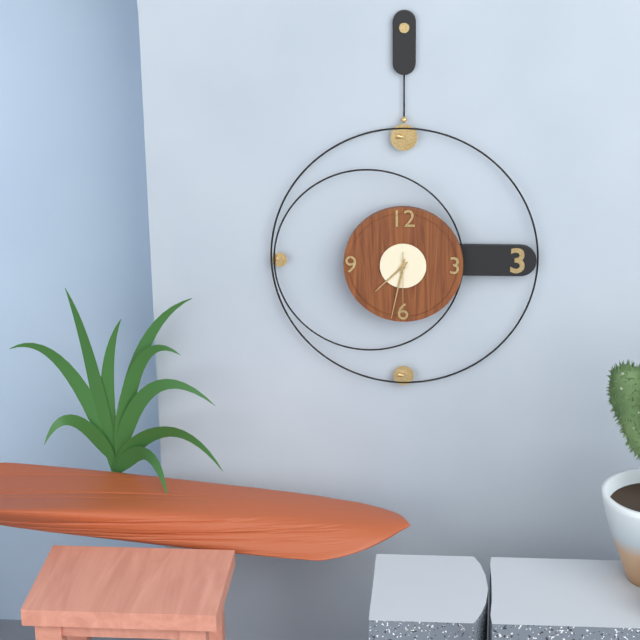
7:32:30
